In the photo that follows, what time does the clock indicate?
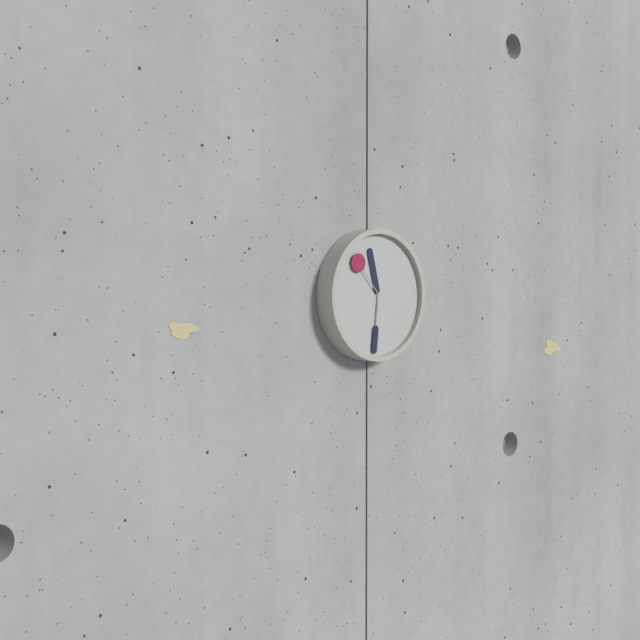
11:31:53
